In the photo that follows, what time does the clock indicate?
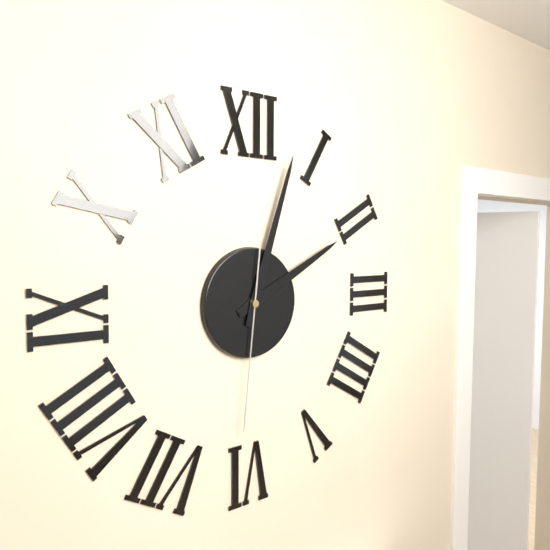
2:03:31
